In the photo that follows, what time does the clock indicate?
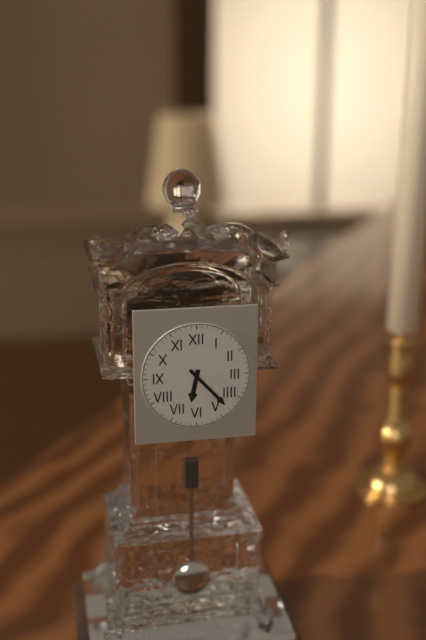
6:23
